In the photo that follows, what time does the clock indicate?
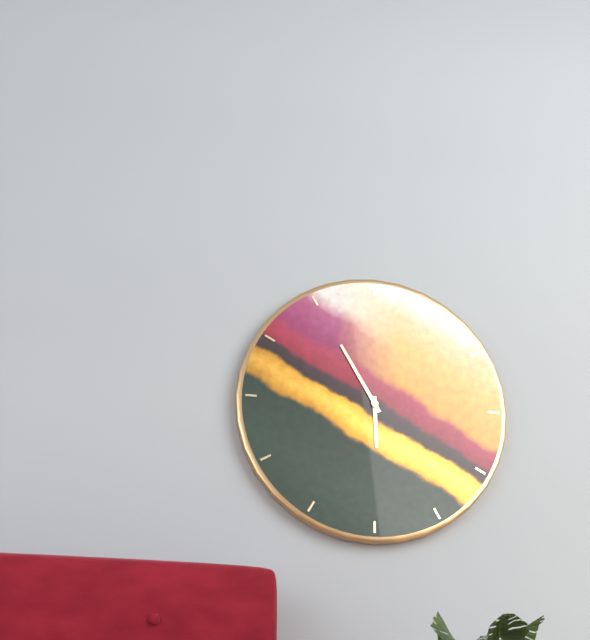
5:55
